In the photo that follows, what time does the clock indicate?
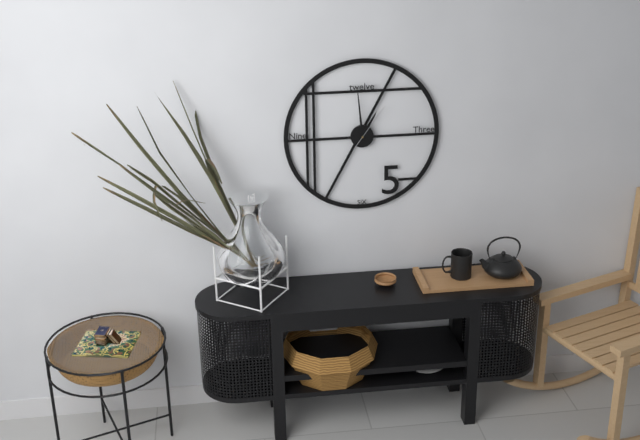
12:59
